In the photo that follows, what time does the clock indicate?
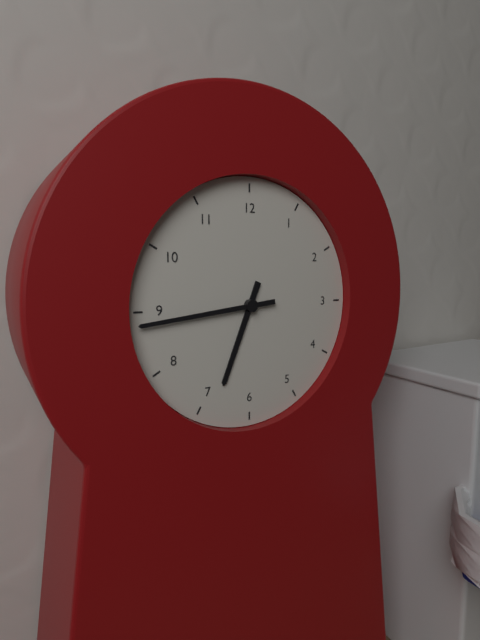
6:44
